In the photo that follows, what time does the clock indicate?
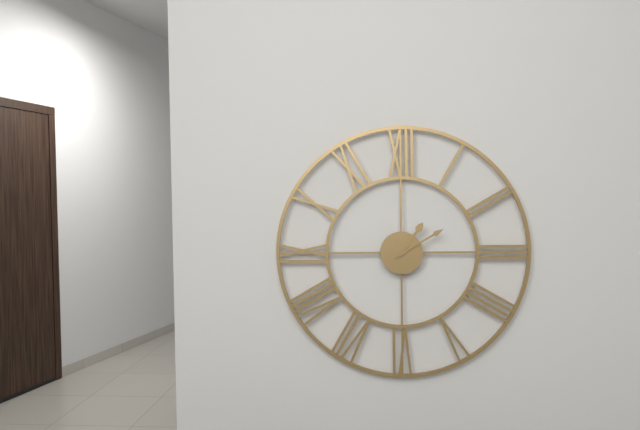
1:10
